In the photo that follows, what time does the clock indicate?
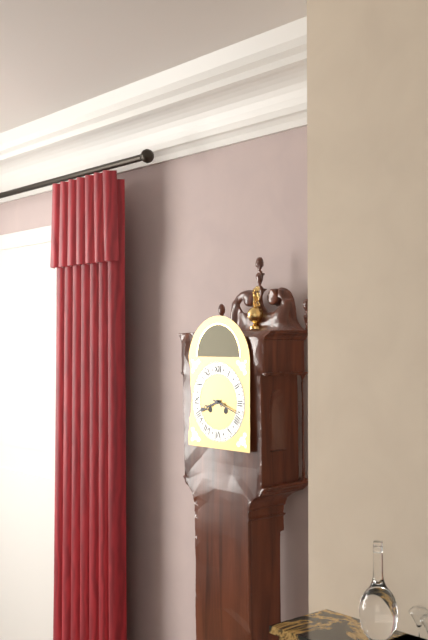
8:18
